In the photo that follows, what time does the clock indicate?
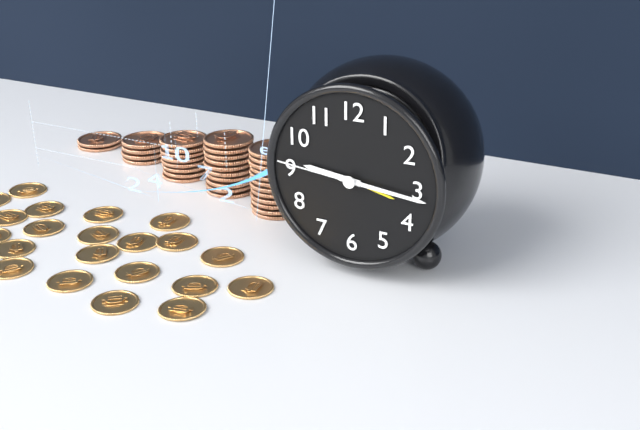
9:16:46
